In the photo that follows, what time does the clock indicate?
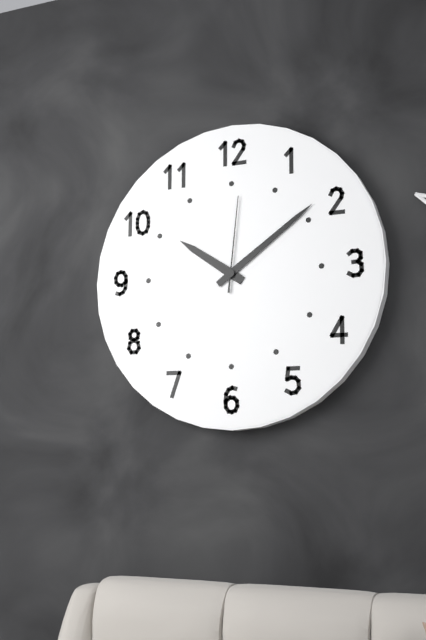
10:09:01
